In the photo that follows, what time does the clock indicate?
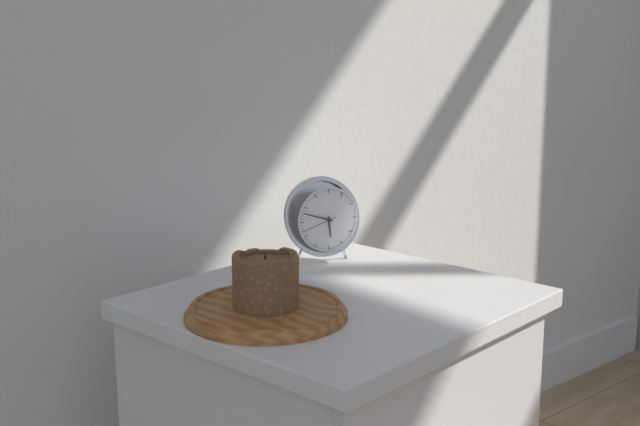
5:48
